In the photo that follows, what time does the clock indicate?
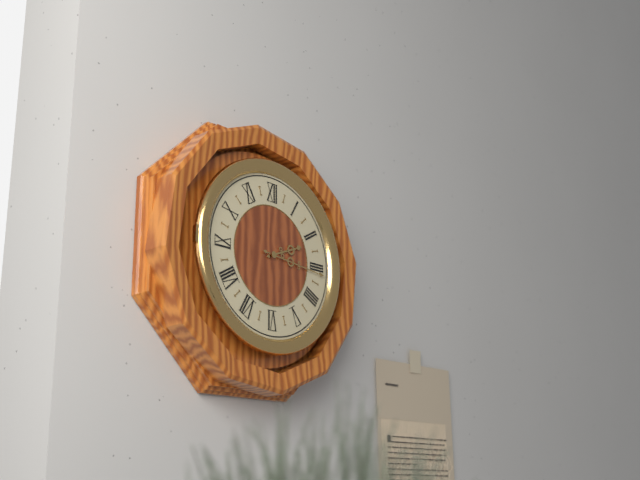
2:16
